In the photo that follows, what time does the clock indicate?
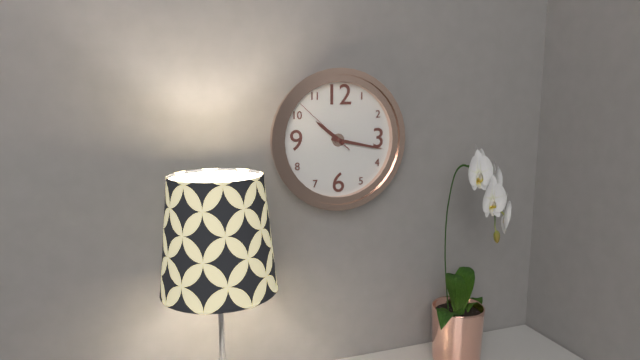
10:17:52
